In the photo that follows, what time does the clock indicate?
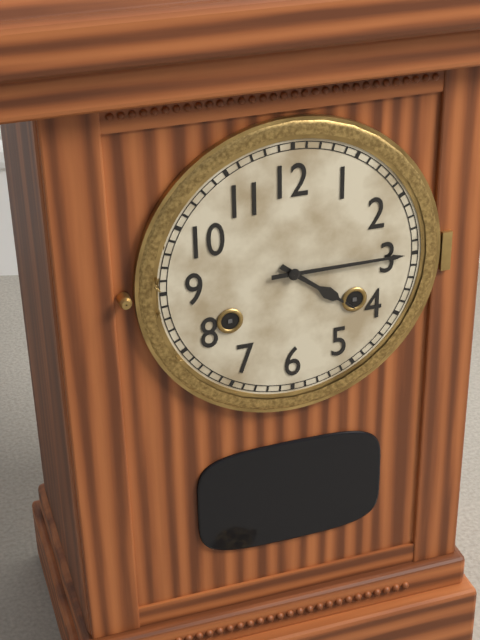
4:15
